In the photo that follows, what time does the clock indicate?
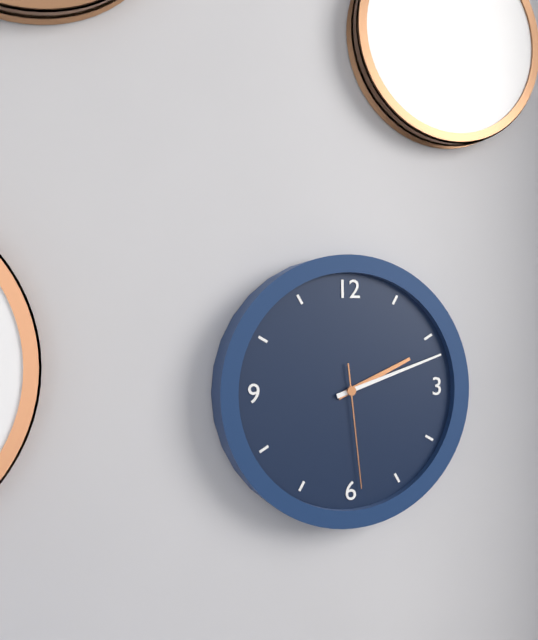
2:12:29
